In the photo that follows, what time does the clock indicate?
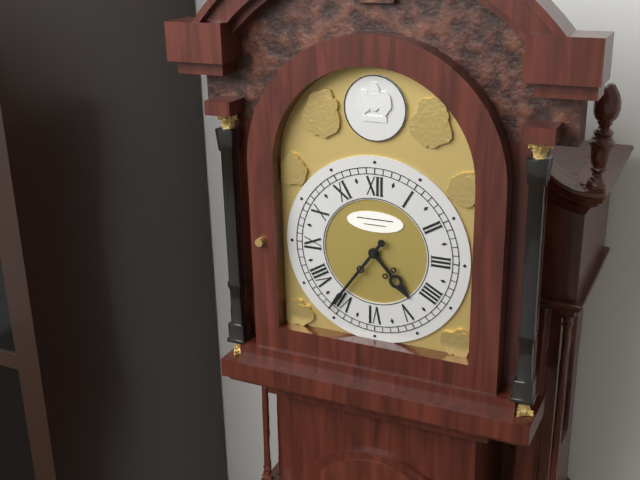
4:36
